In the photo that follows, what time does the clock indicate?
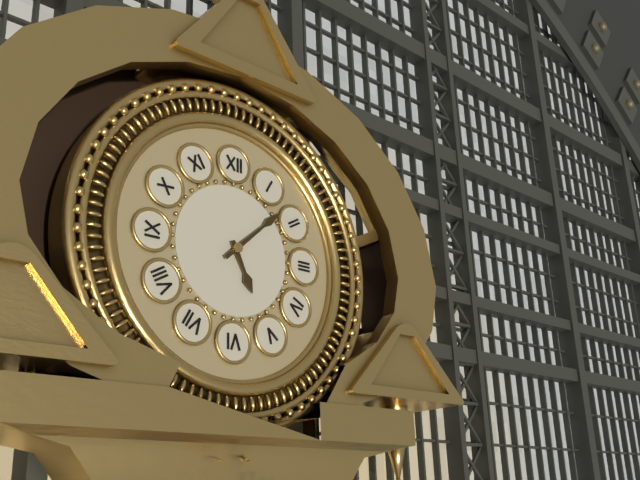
5:08
